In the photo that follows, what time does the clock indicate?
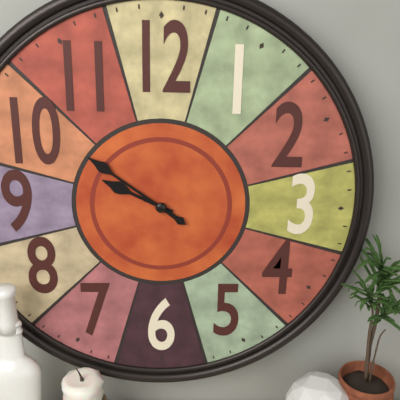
9:51
